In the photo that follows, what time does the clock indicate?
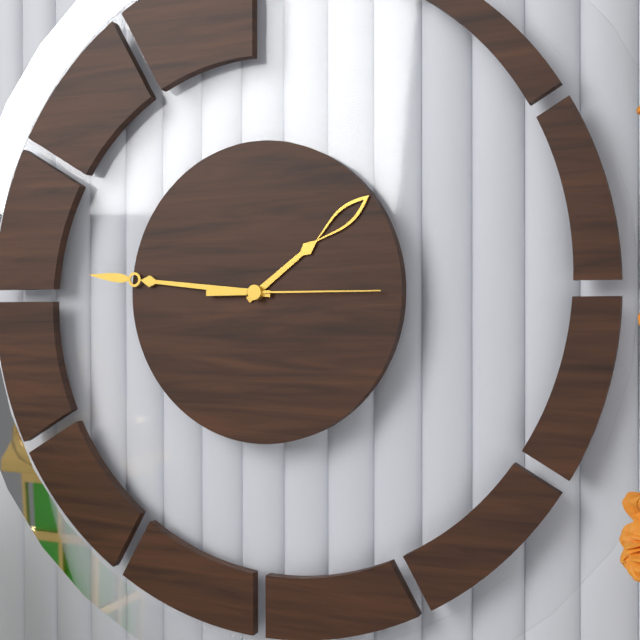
1:46:15
